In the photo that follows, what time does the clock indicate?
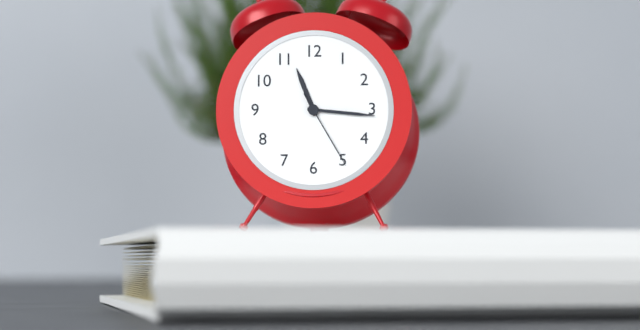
11:16:25
